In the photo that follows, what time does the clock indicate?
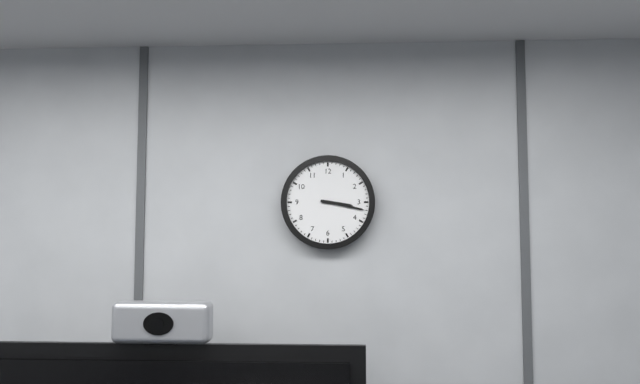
3:17
